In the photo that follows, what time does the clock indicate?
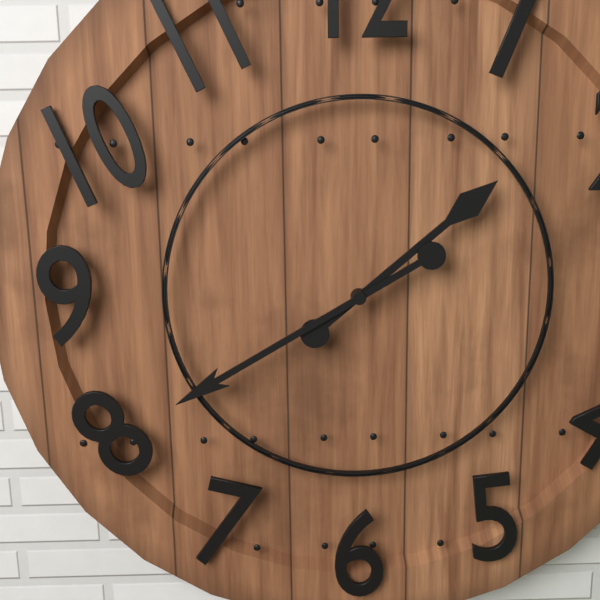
1:40
